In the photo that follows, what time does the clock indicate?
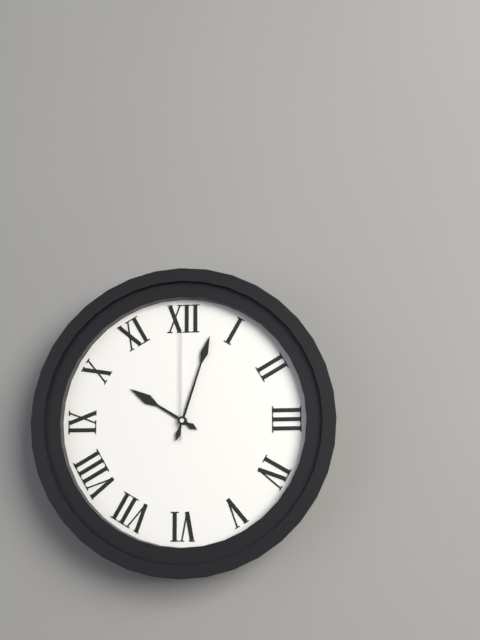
10:03:00
